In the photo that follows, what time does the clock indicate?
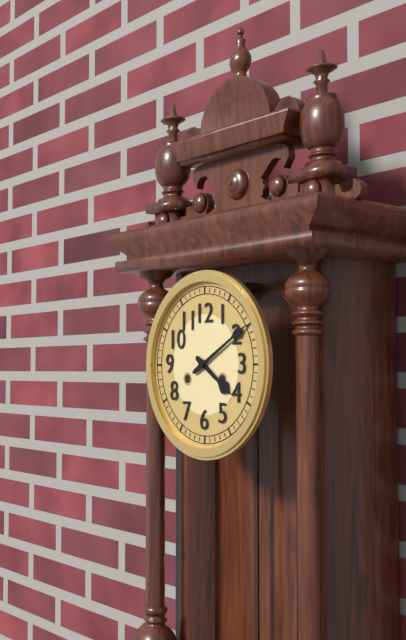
4:10
